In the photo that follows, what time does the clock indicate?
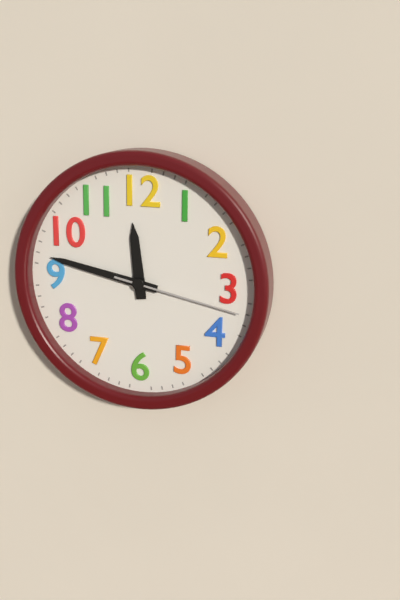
11:47:17
